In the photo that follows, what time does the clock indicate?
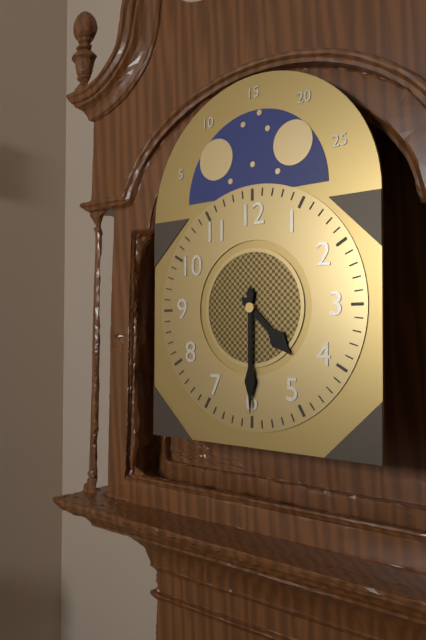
4:30
